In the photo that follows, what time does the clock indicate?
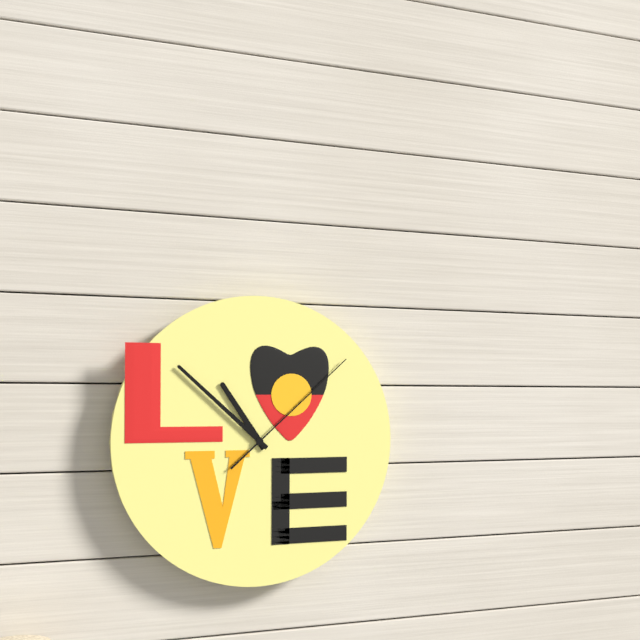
10:52:08
